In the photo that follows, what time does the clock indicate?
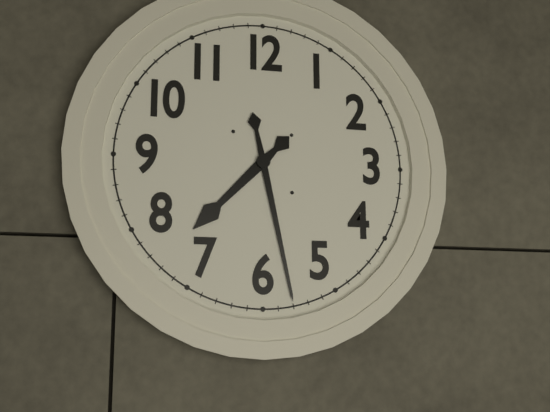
7:28
